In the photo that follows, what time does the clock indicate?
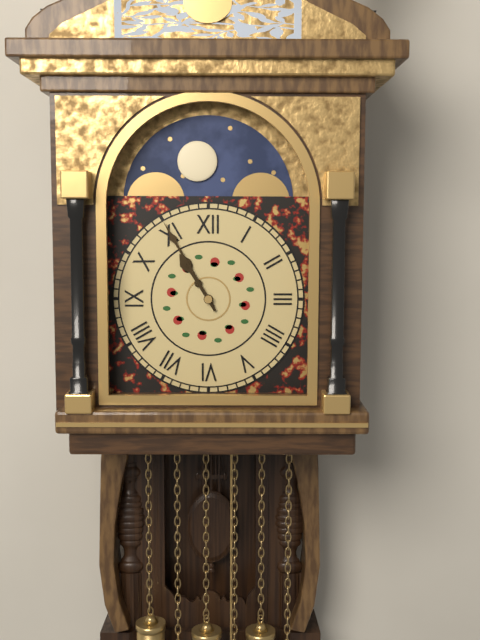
10:55
